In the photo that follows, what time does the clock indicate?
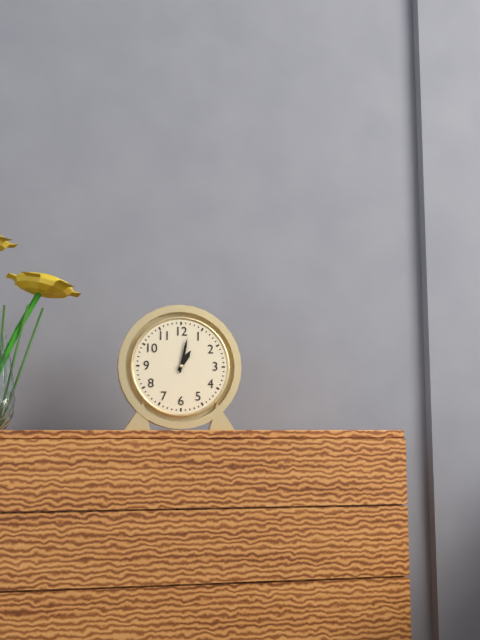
1:02
